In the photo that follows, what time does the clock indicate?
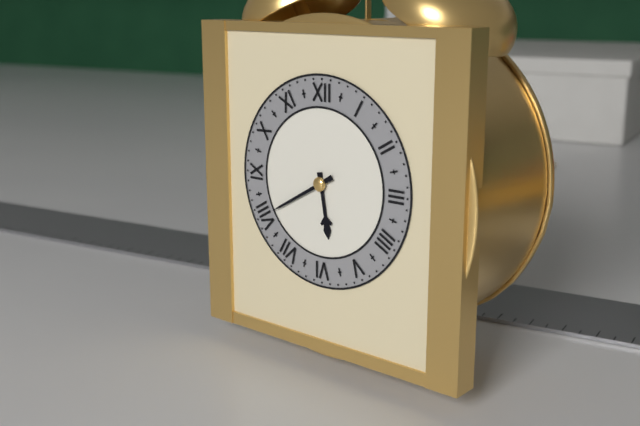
5:40
